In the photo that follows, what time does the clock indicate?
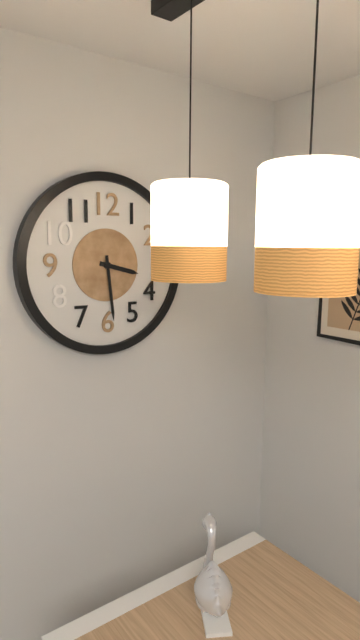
3:29
